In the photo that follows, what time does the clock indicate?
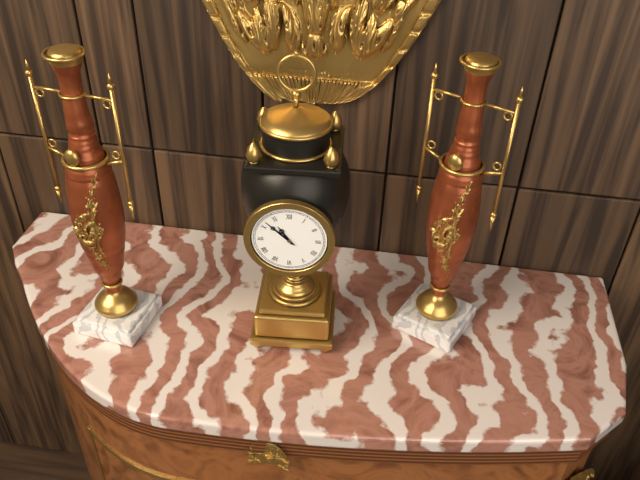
10:52
